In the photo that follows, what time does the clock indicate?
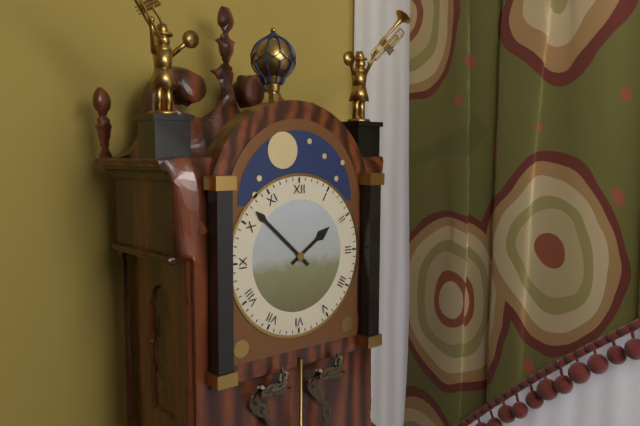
1:52
